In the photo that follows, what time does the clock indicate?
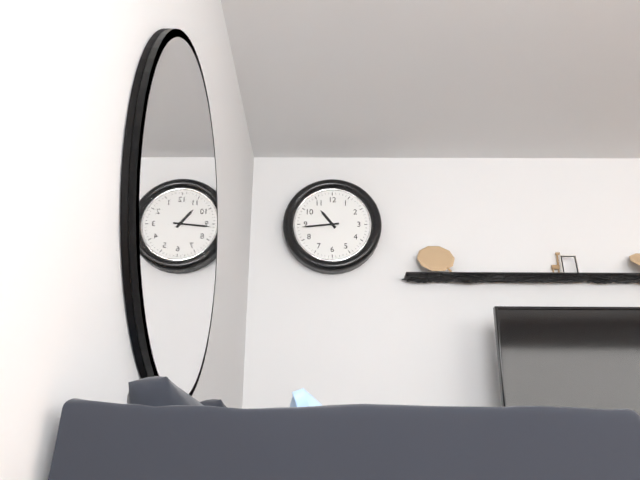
10:44
